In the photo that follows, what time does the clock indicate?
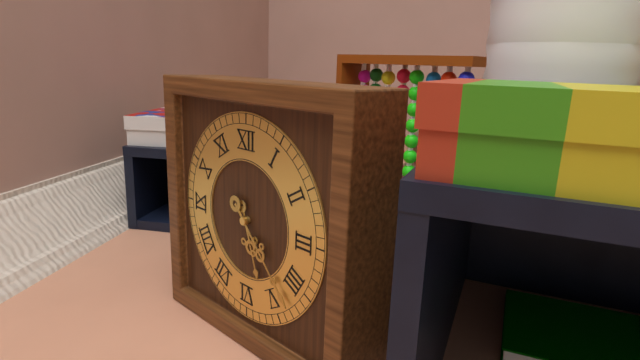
5:23
